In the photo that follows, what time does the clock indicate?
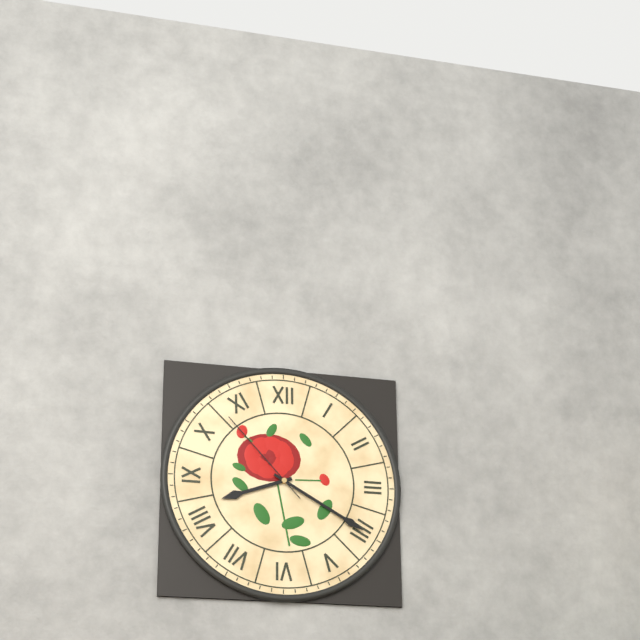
8:20:53
